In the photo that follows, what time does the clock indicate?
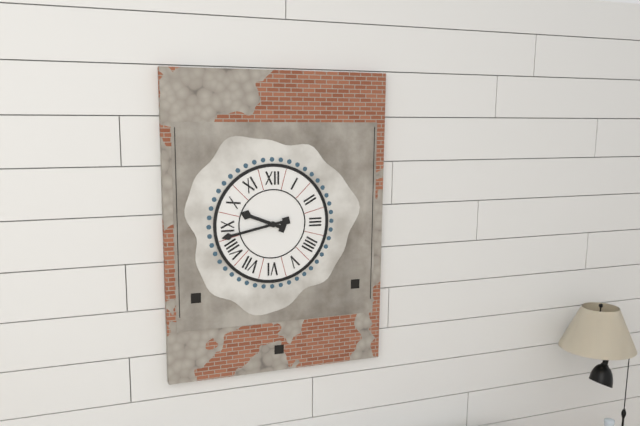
9:43
